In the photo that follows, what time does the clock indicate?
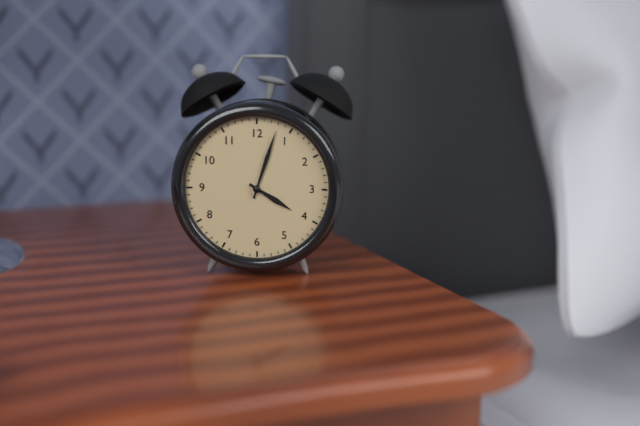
4:03
